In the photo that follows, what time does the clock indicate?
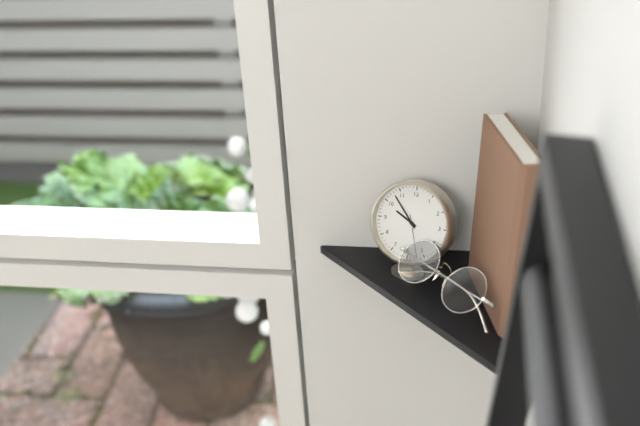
9:53
